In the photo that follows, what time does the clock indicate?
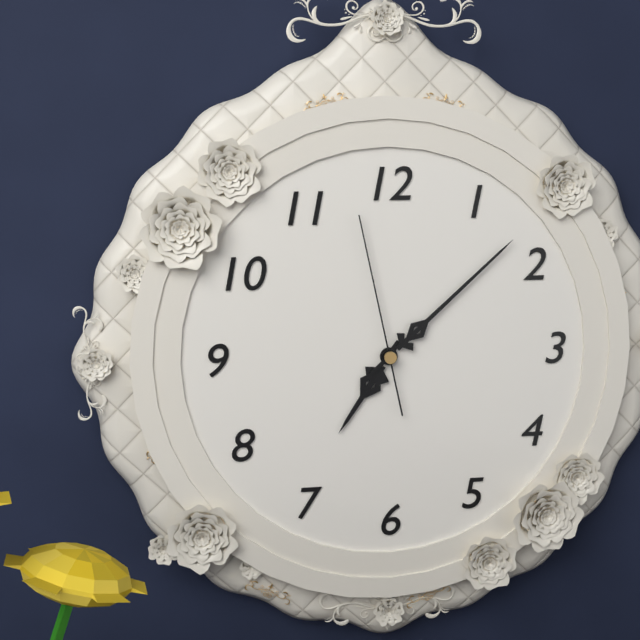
7:08:58
